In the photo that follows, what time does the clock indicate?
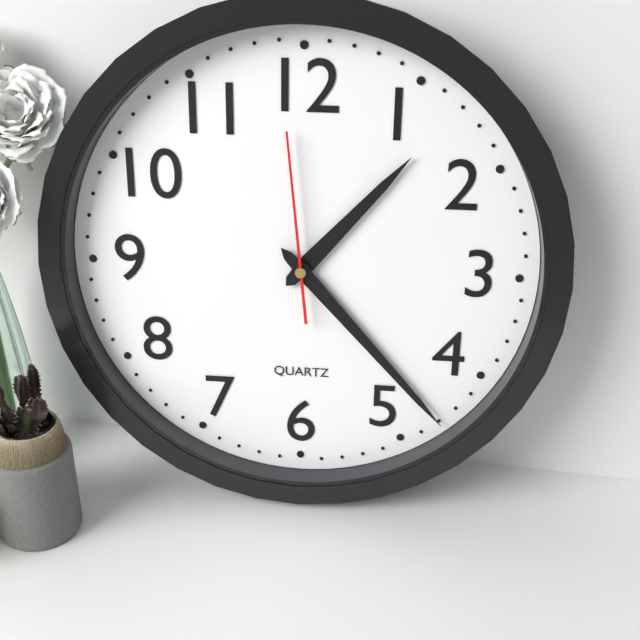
1:23:59
